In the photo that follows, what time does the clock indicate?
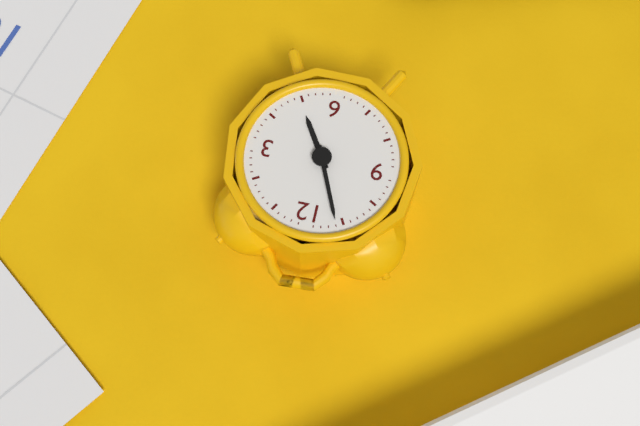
4:56
